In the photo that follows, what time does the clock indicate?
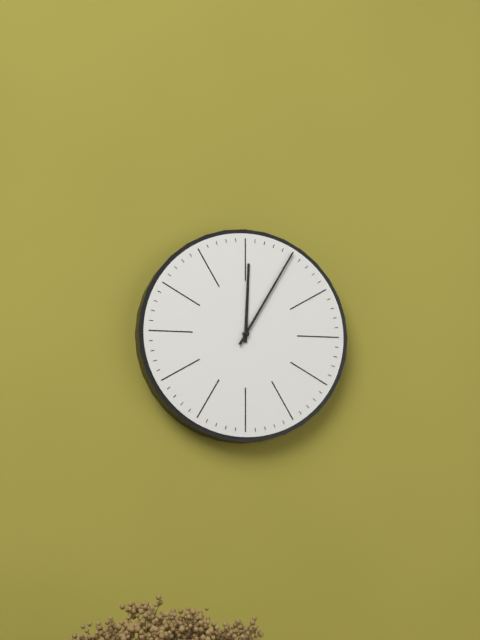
12:05
